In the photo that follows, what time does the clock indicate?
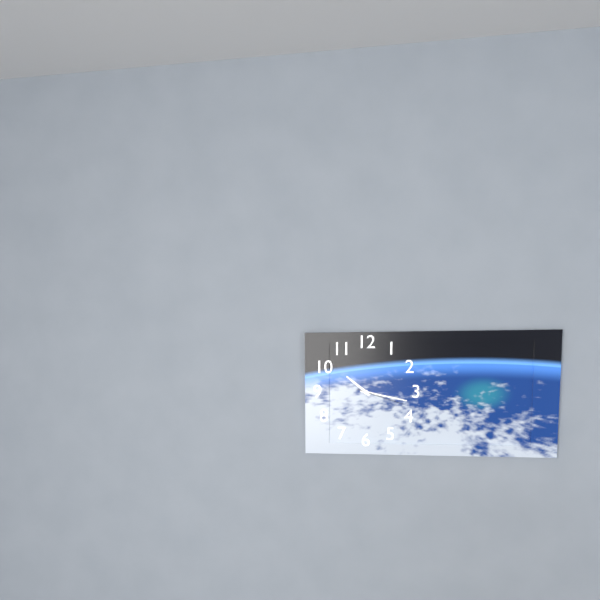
10:17
